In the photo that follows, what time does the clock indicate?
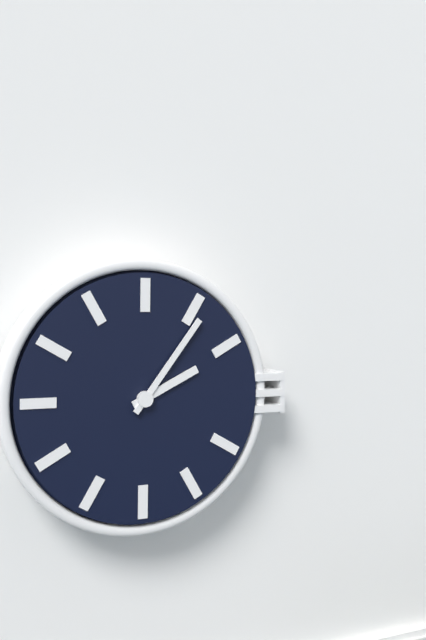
2:06
